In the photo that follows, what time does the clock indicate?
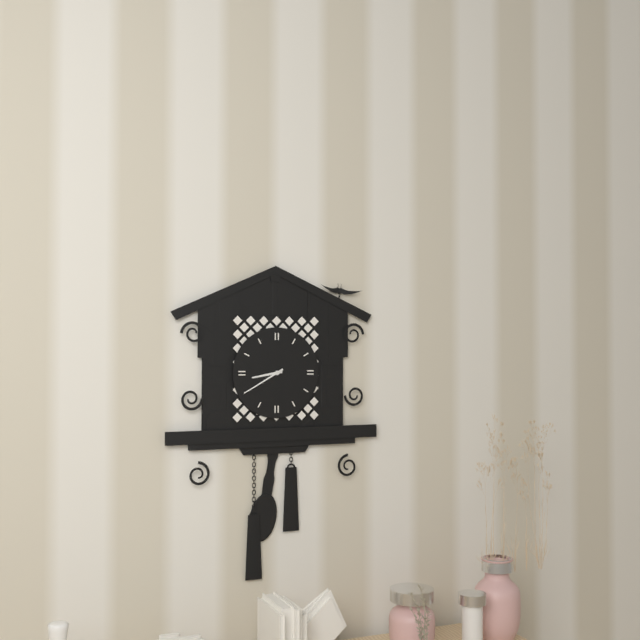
8:40
